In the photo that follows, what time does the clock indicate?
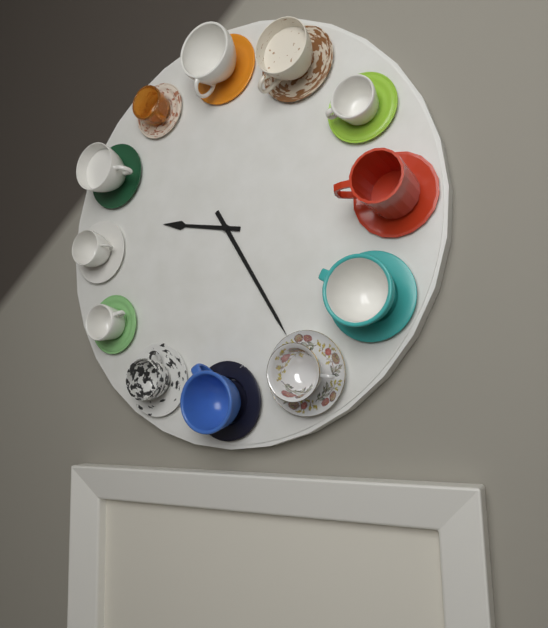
9:25
